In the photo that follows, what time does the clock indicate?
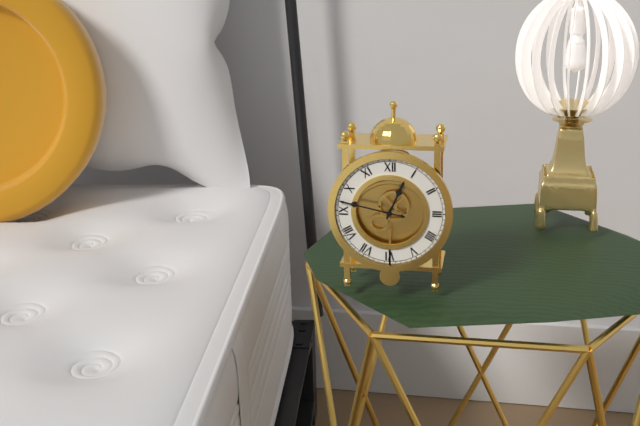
12:47
